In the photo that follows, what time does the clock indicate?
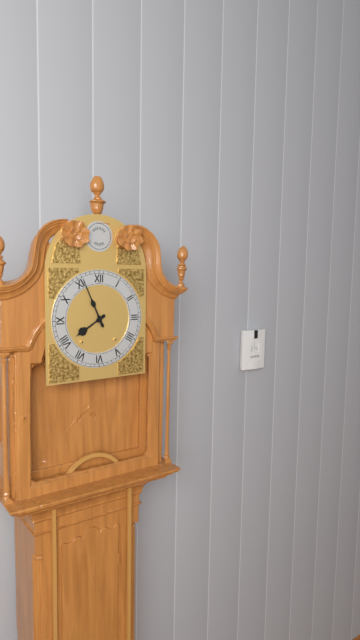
7:56
